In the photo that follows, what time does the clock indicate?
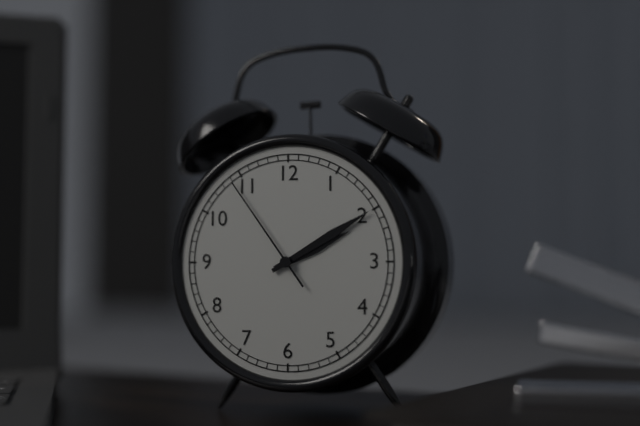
2:10:54
